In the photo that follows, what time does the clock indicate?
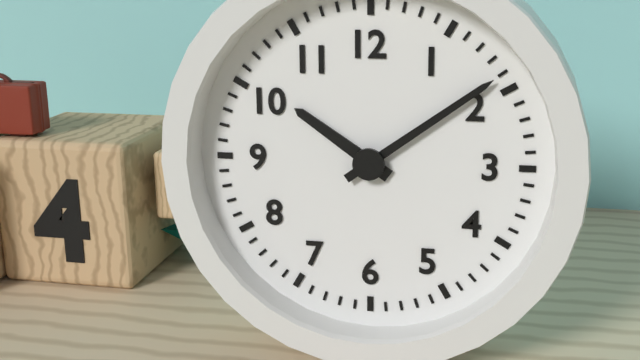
10:09
